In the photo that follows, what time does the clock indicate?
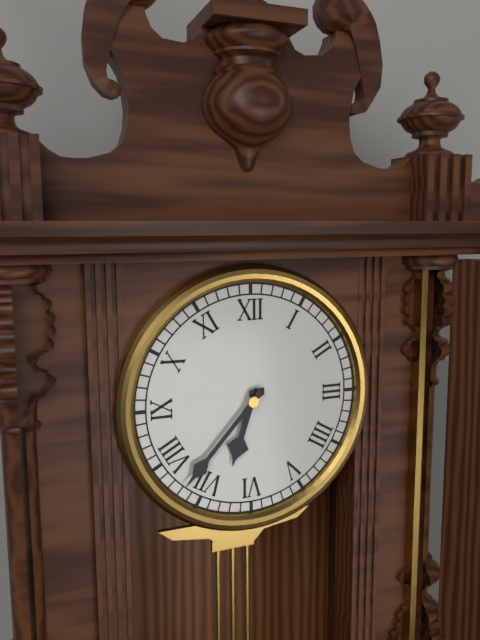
6:37
